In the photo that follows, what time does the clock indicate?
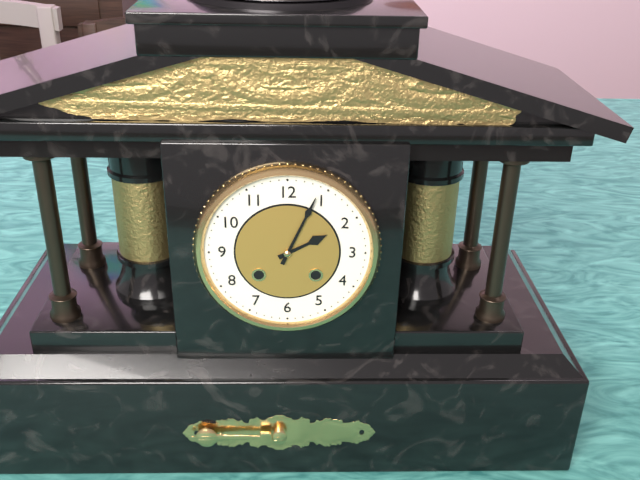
2:04
